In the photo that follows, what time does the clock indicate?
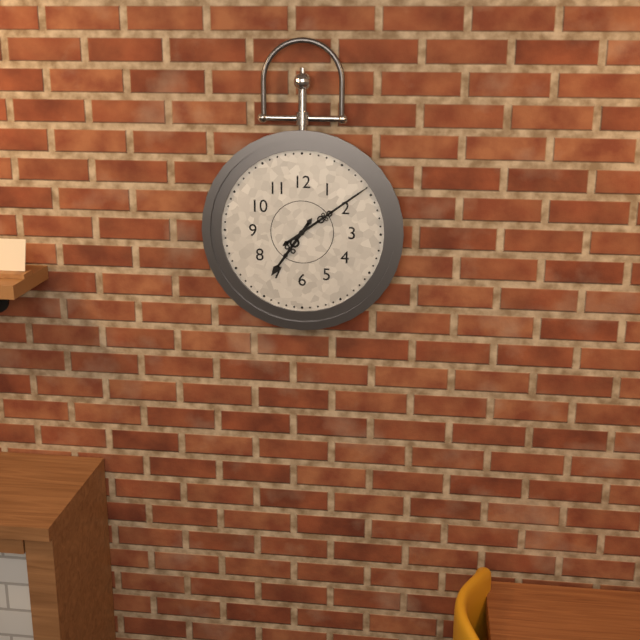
7:09
